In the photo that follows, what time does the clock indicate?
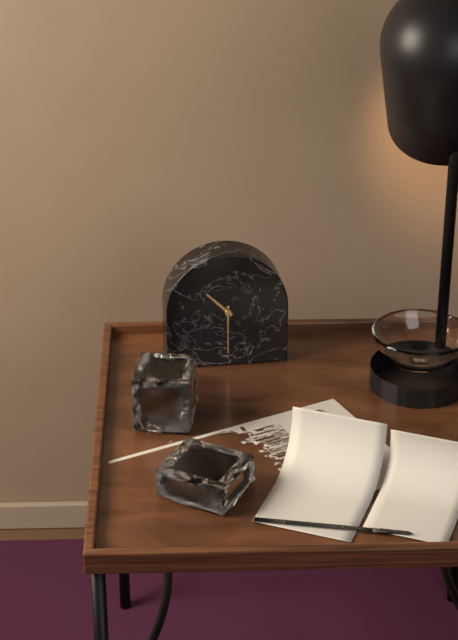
10:30
